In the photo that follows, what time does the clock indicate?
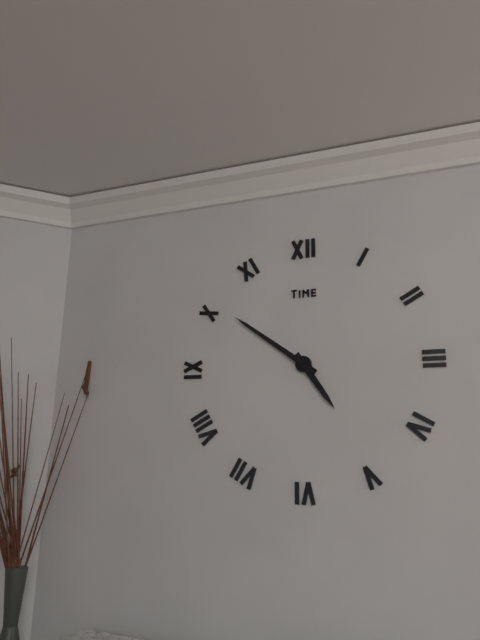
4:51
